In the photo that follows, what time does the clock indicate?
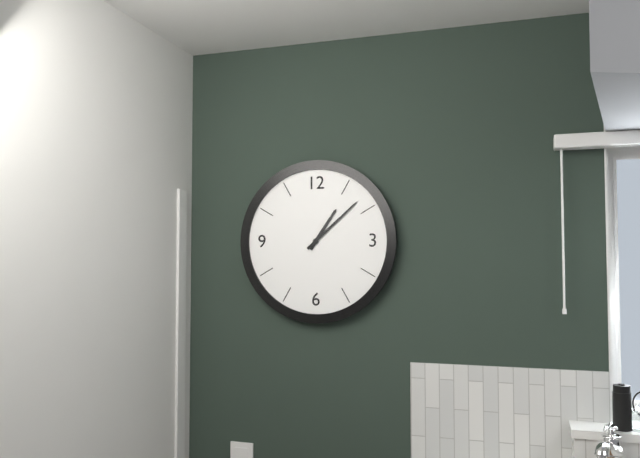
1:08
